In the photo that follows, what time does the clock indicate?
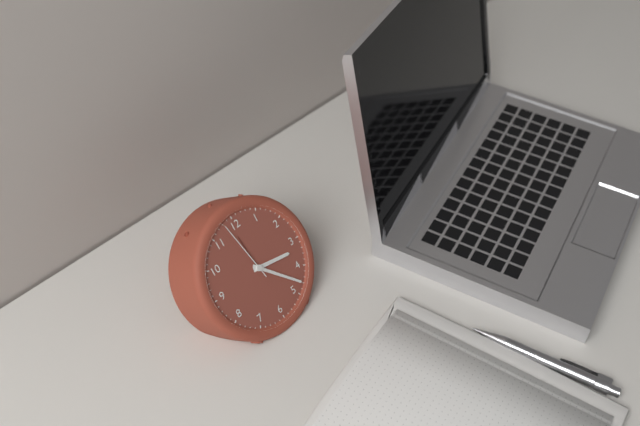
3:23:58
